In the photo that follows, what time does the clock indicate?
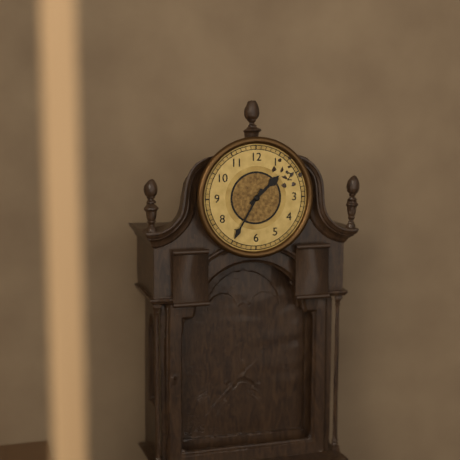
1:35
